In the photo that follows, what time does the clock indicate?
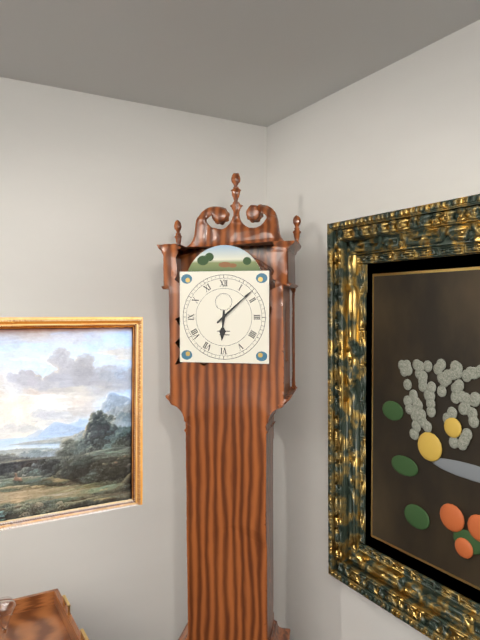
6:08
